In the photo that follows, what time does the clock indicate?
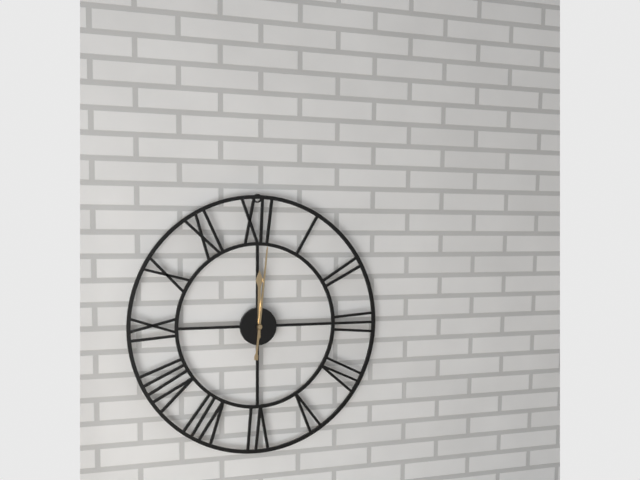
12:01
